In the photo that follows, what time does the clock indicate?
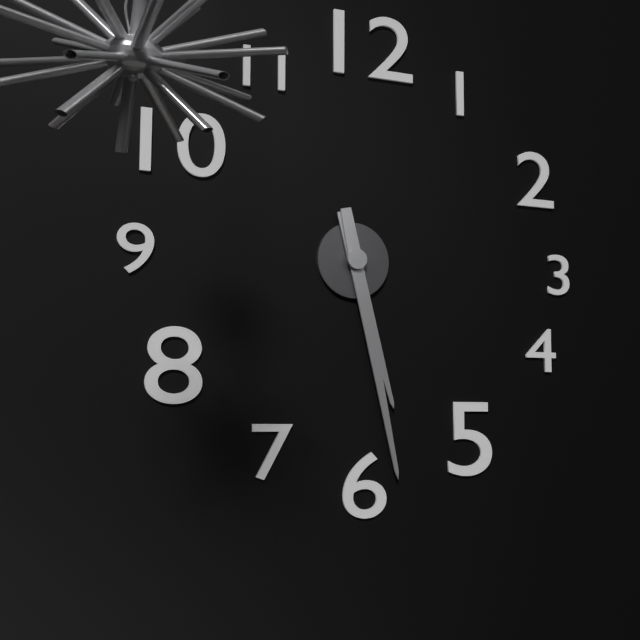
5:28
